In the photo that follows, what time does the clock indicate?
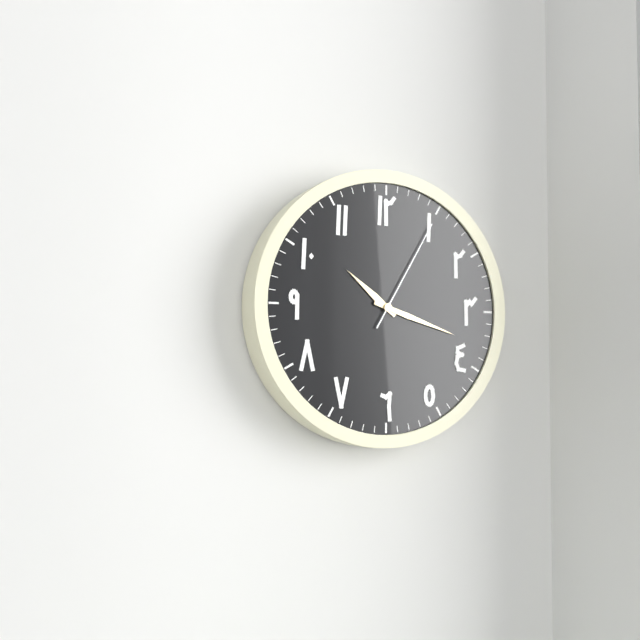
10:18:05
